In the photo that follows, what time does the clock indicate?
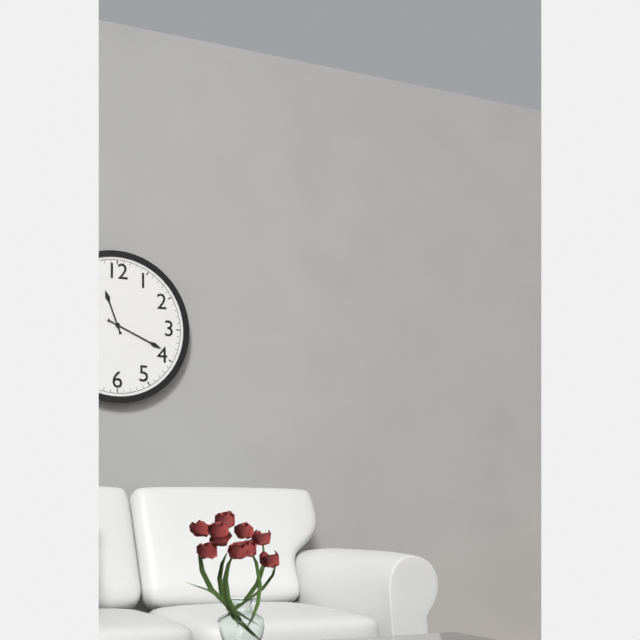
11:19
